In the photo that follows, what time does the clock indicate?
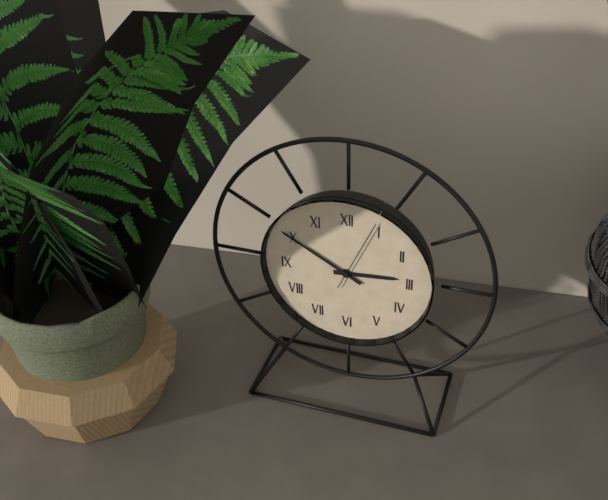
2:50:04
